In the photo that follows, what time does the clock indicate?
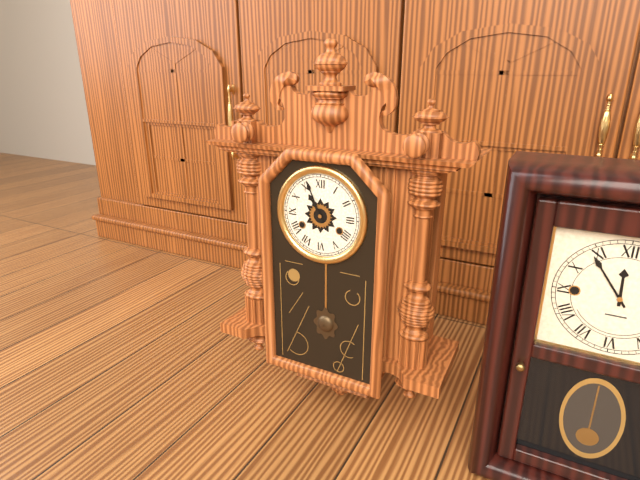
10:56
